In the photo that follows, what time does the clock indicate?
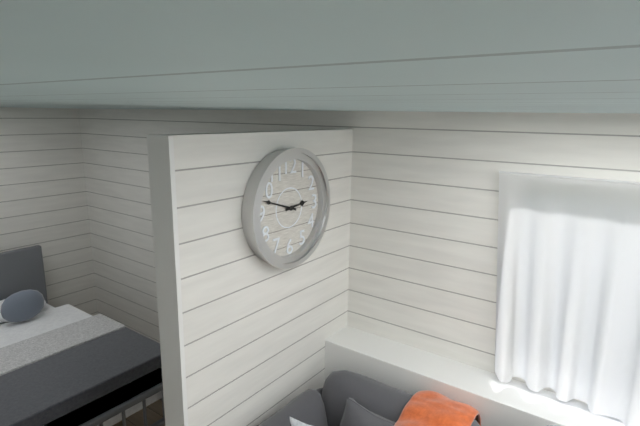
2:48
